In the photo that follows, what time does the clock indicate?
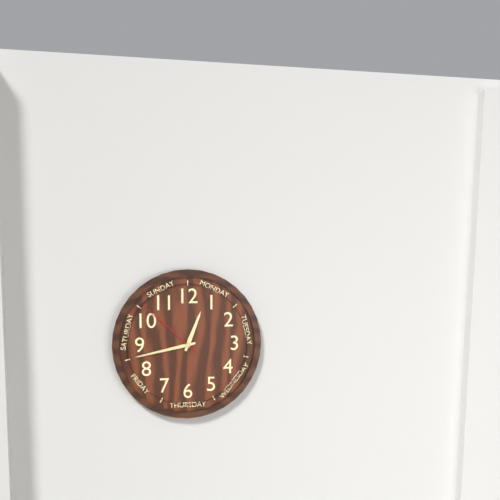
12:43:52
